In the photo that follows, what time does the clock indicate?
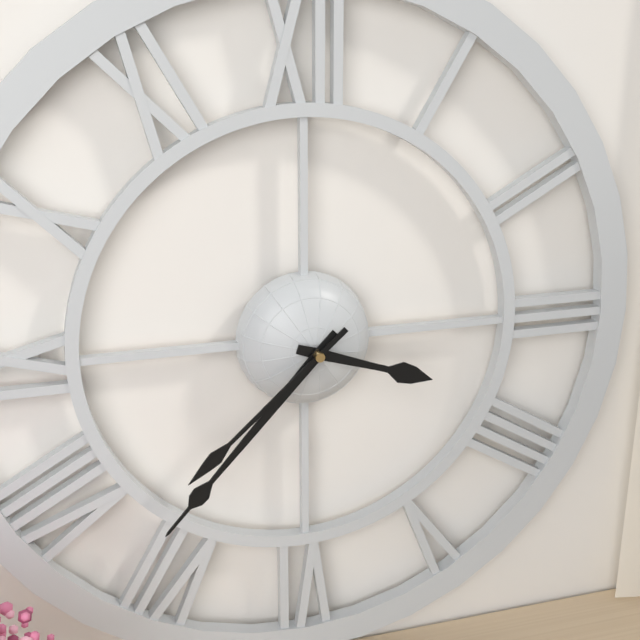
3:37:38
